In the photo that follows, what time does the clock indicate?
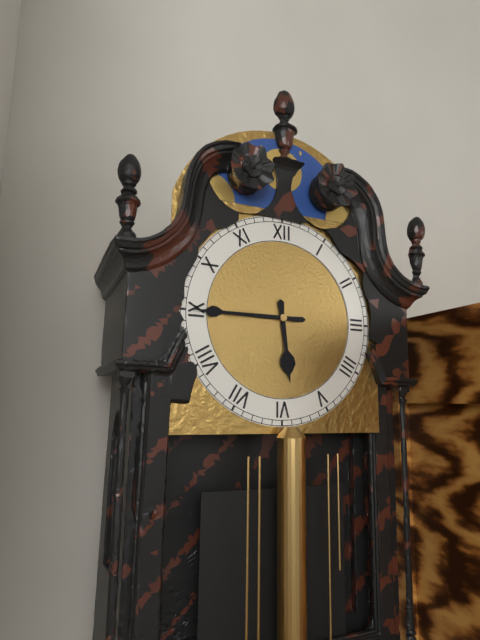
5:45
